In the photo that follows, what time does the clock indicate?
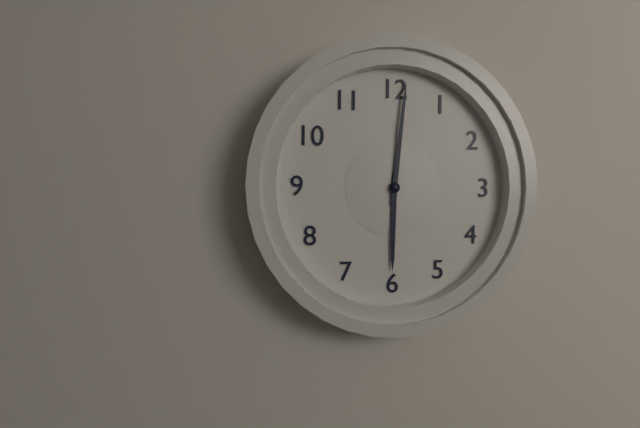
6:01
